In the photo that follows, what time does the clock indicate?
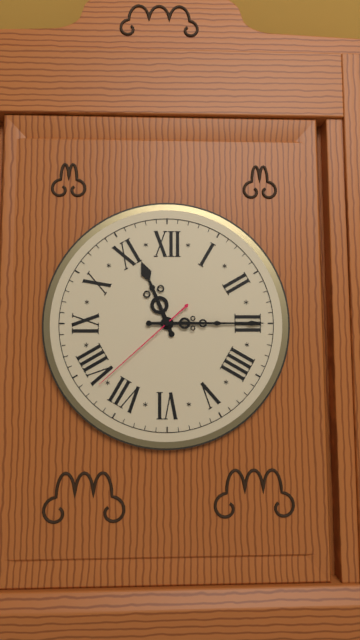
11:15:38
